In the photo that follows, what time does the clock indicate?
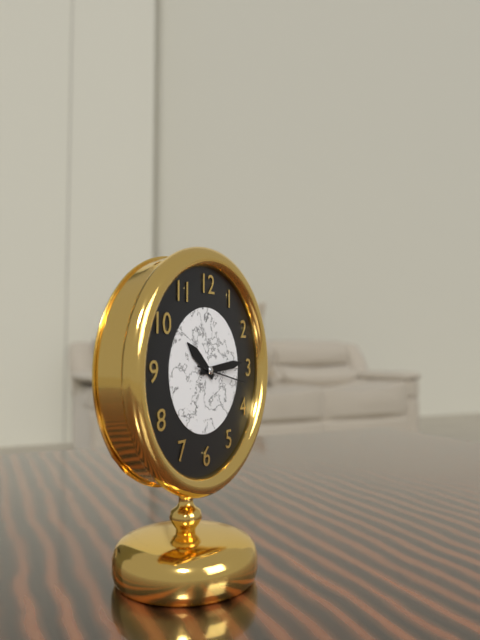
10:14
